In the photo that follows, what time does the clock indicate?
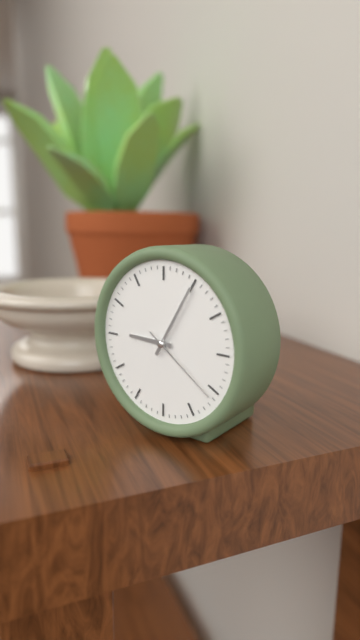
9:05:21
